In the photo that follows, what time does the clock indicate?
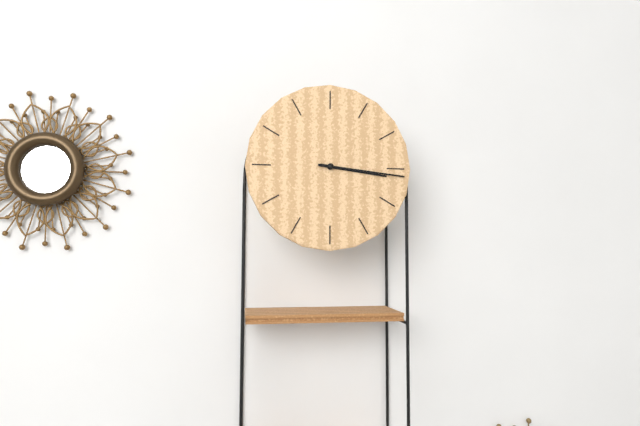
3:16
